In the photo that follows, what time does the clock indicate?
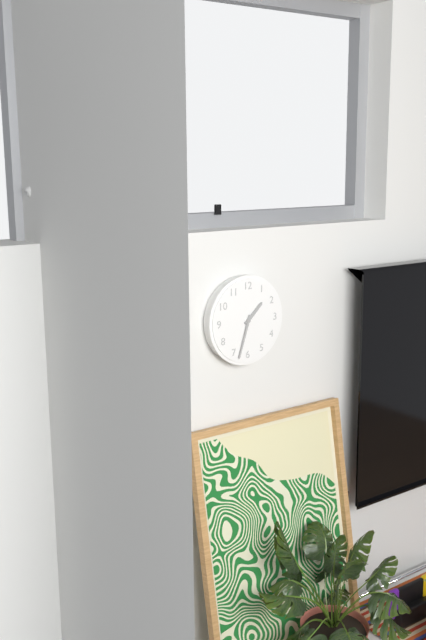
1:33
